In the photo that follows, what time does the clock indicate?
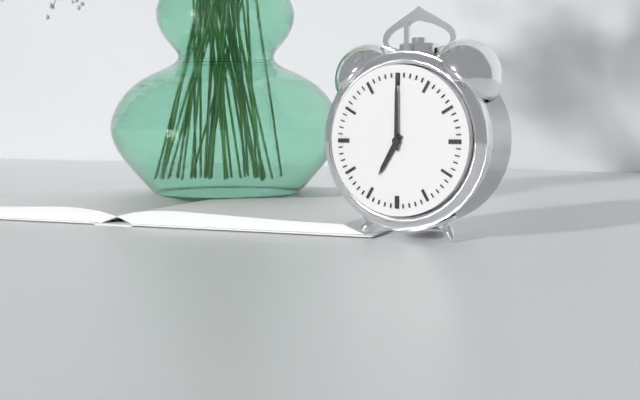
7:00
